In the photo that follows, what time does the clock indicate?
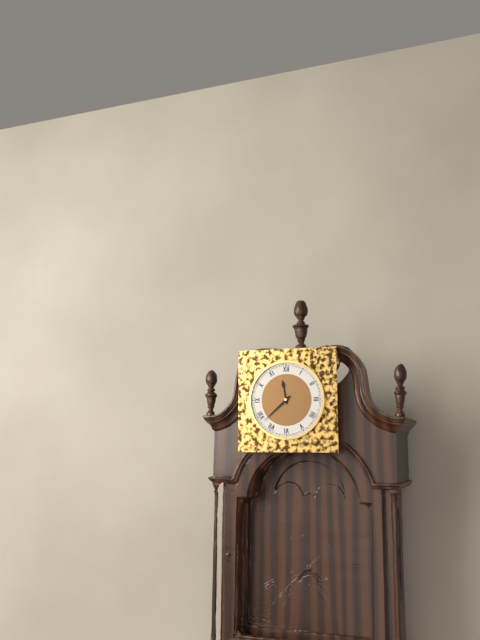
11:38
